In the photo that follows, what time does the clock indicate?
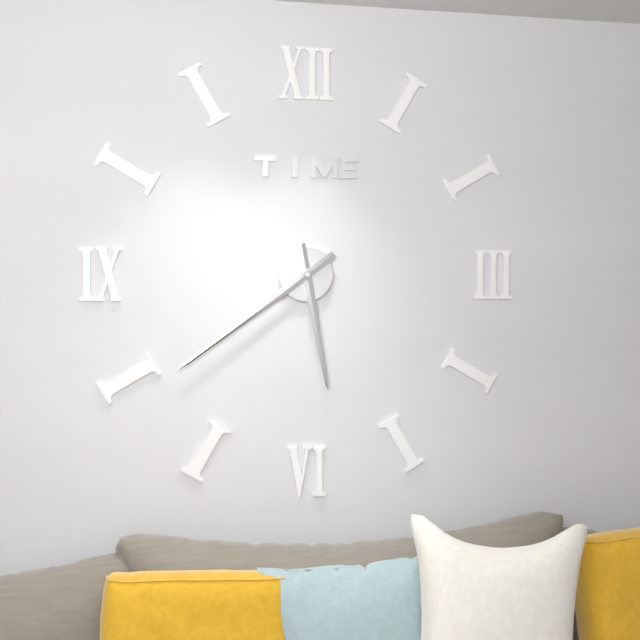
5:39
